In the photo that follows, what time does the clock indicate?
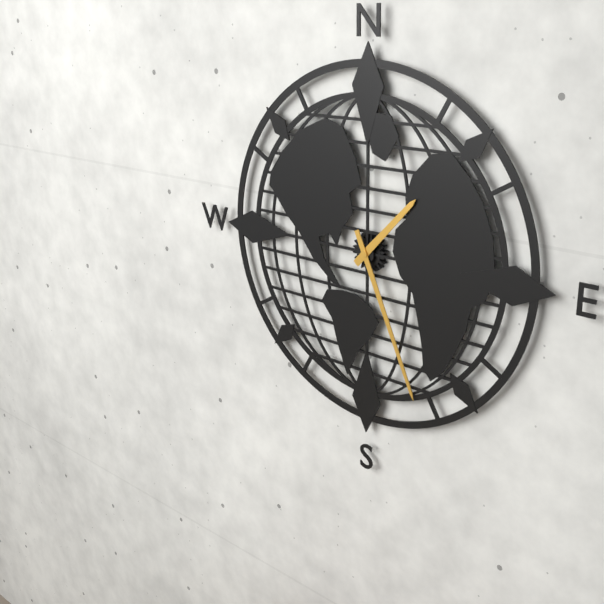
1:26
